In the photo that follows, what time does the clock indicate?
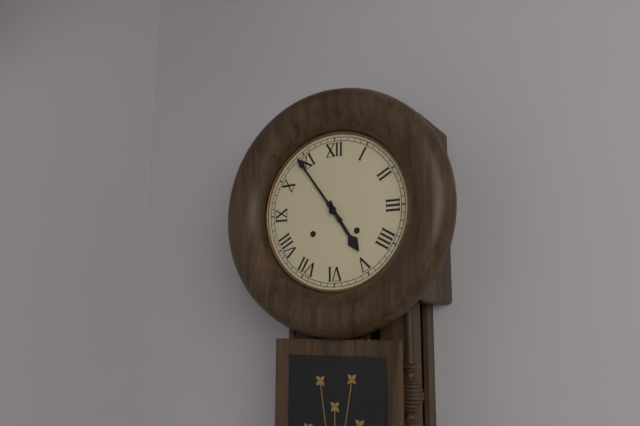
4:54
